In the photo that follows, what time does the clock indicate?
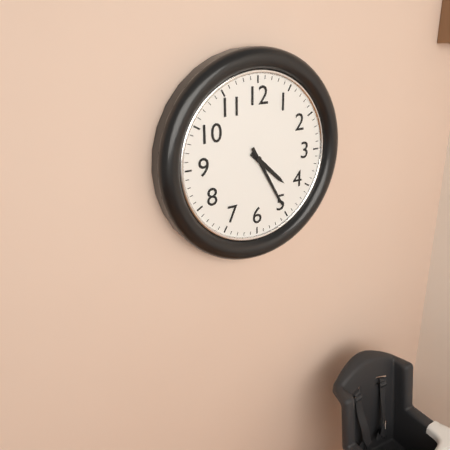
4:25
